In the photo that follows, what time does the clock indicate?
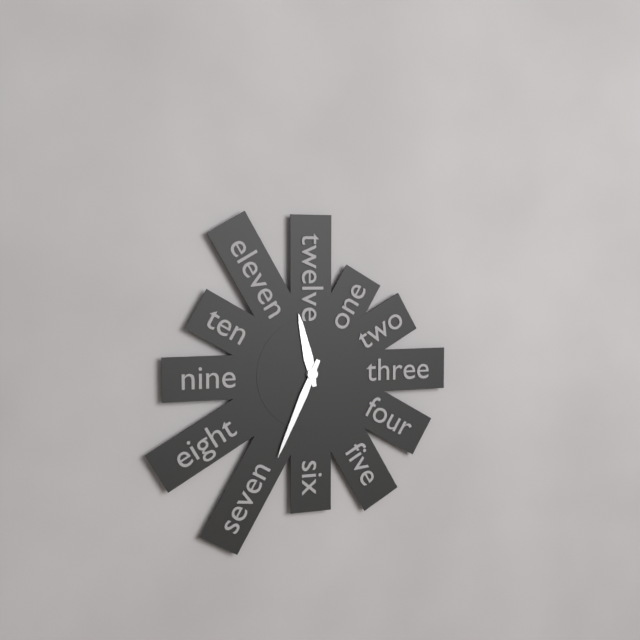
11:34
